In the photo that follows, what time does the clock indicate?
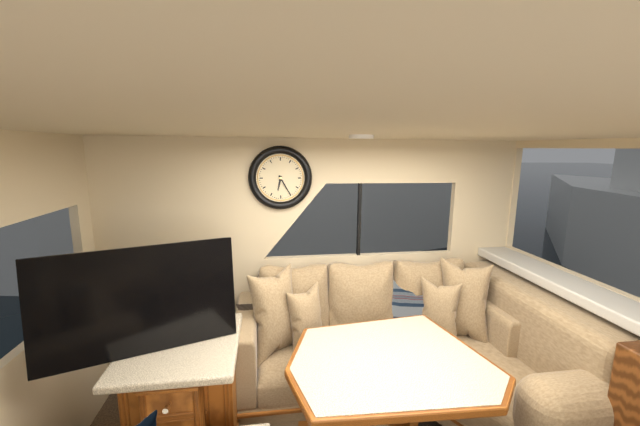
6:25
